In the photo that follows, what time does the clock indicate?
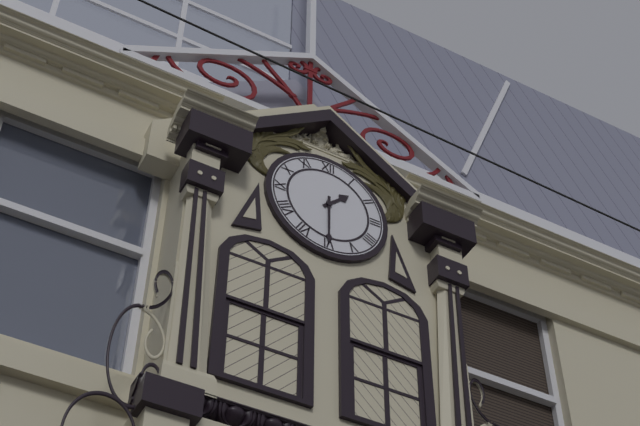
1:30
